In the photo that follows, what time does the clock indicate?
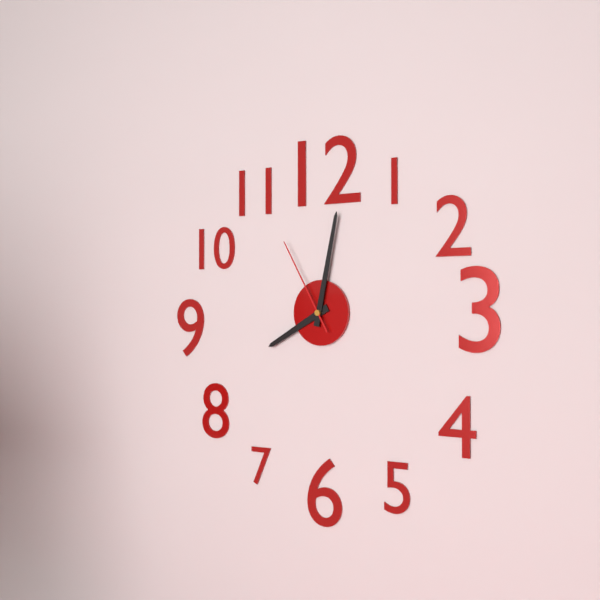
8:02:55
